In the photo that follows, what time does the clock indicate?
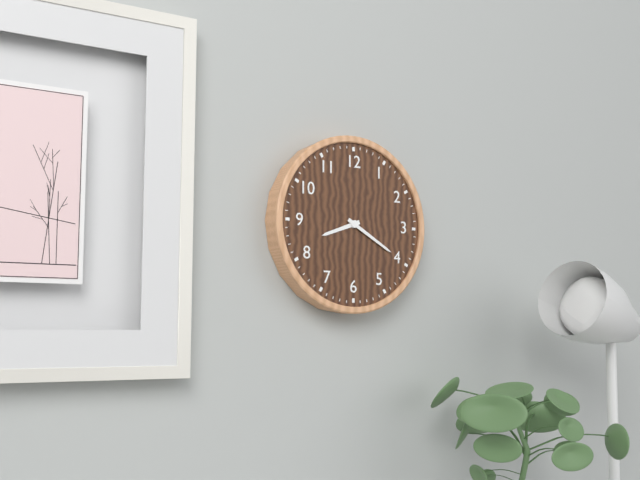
8:20
